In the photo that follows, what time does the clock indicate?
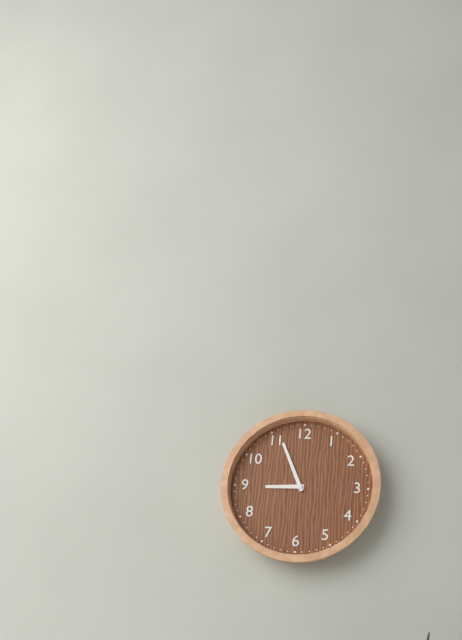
8:56
